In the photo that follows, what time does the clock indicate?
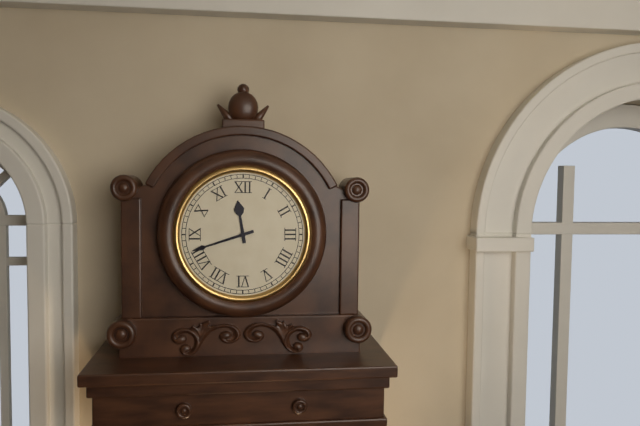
11:42
